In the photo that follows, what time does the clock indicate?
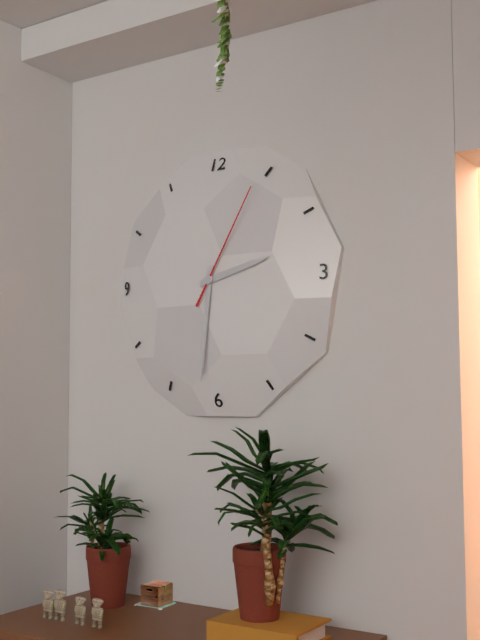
2:31:05
